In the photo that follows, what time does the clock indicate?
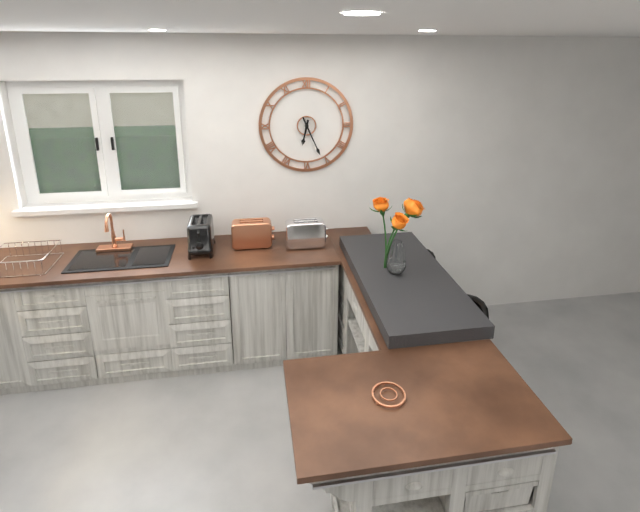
6:26
